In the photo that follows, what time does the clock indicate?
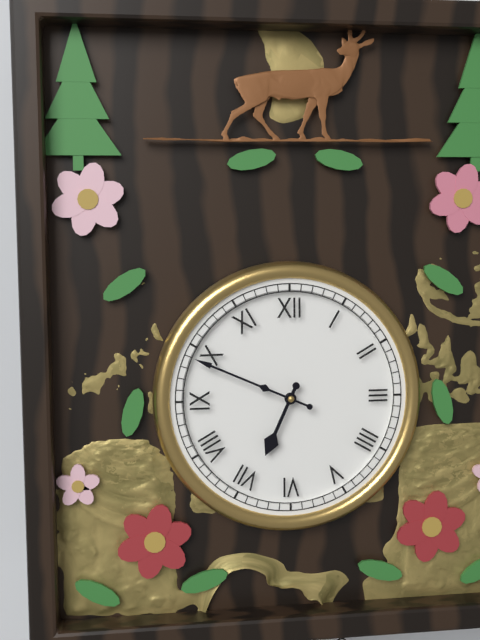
6:49
